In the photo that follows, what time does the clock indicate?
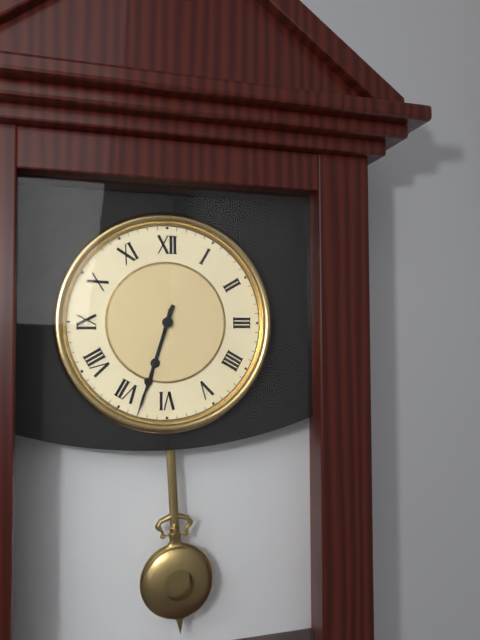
6:33
